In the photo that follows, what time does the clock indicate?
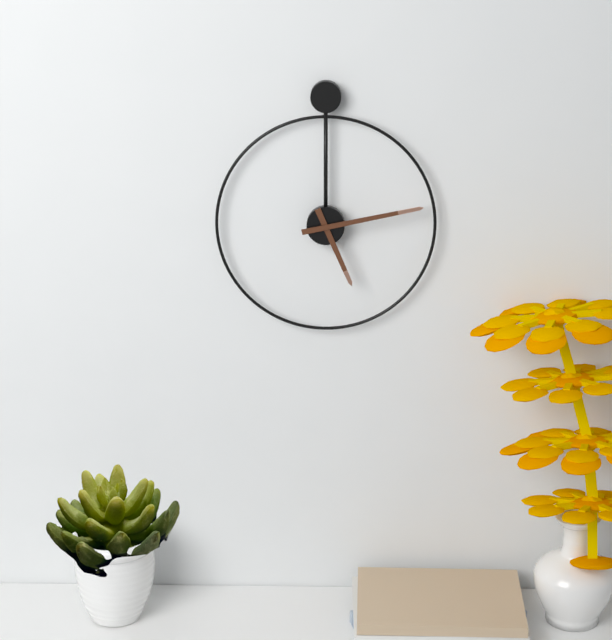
5:13
